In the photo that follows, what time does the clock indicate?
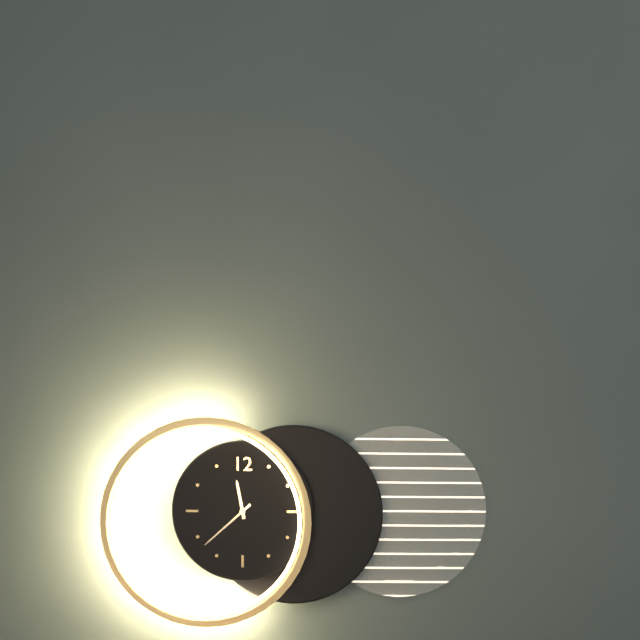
11:38
